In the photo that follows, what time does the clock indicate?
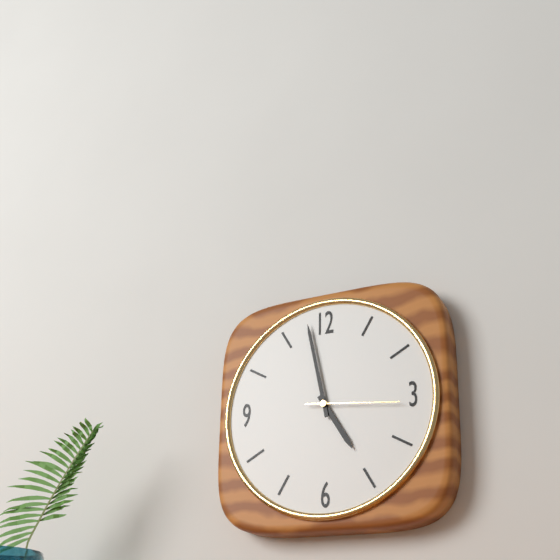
4:58:16
